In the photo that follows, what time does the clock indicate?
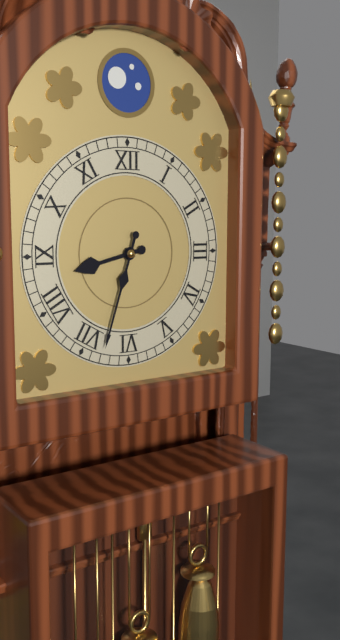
8:33
